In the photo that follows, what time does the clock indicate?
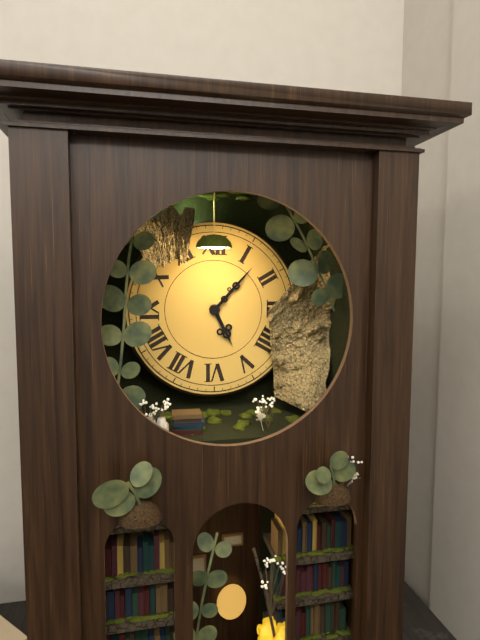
5:07
